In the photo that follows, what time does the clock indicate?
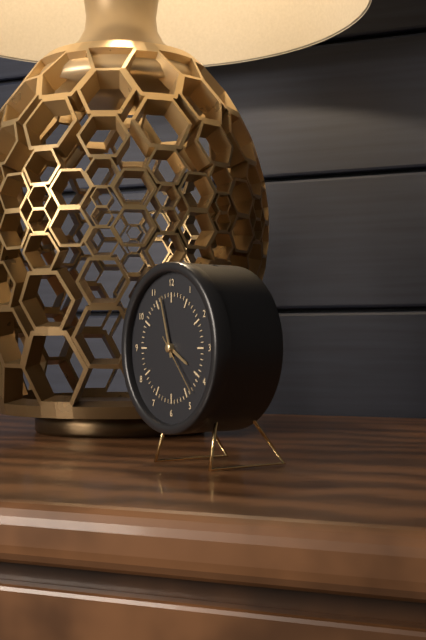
3:57:23
